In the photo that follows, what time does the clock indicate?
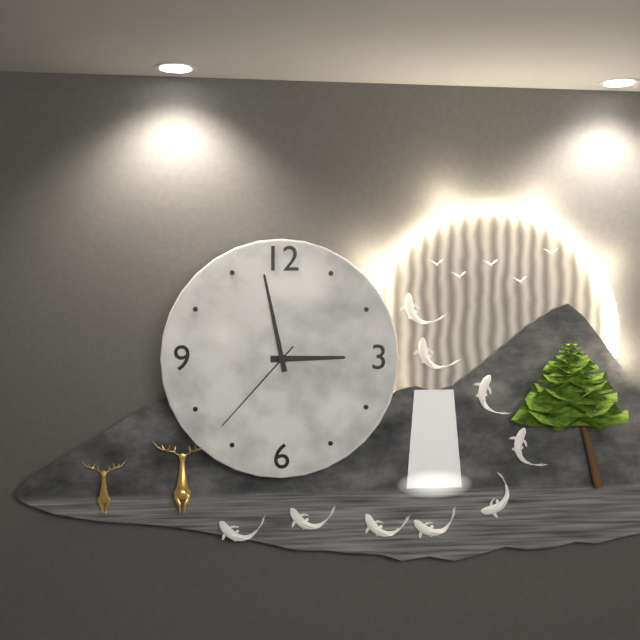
2:58:37
